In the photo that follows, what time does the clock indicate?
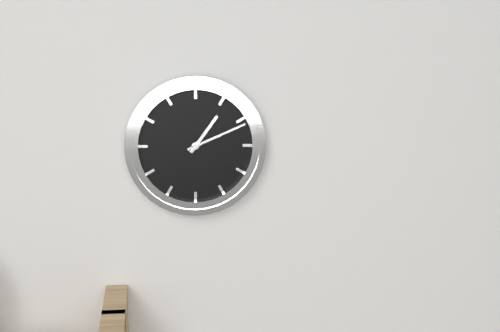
1:11
